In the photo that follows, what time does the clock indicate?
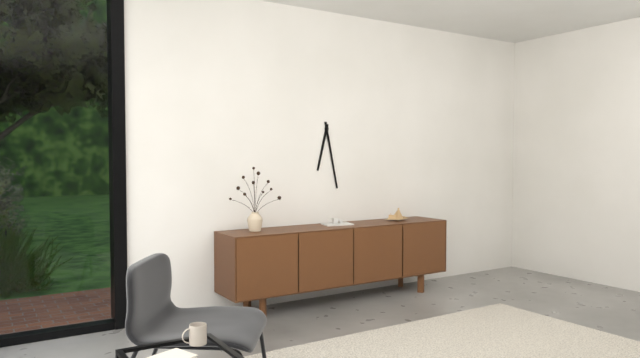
6:28
